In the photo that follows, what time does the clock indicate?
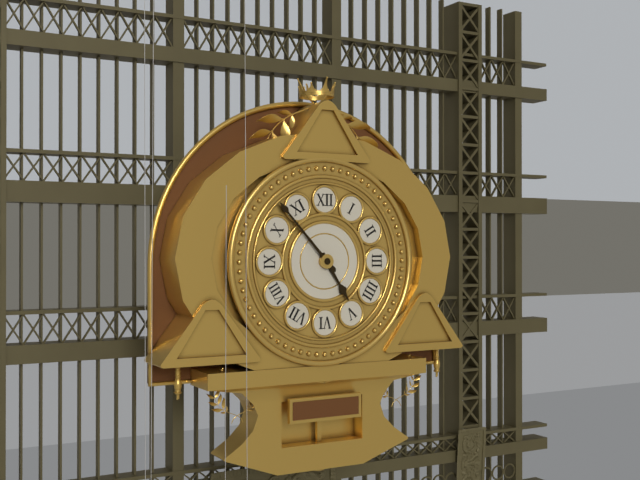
4:53
